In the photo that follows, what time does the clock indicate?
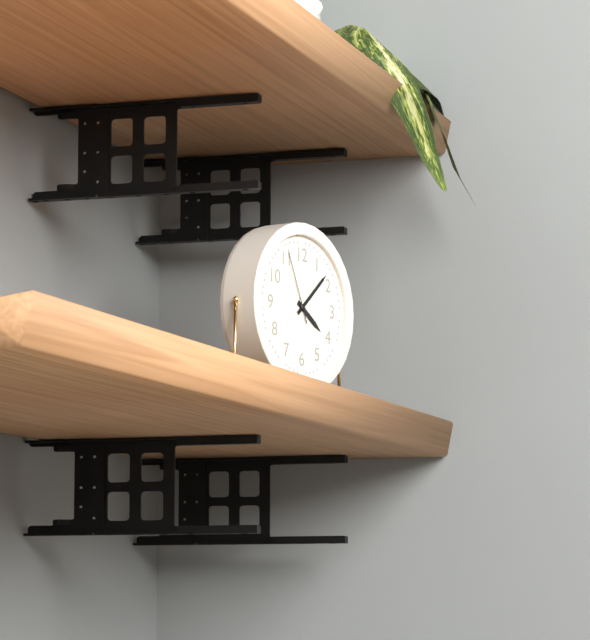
4:08:56
